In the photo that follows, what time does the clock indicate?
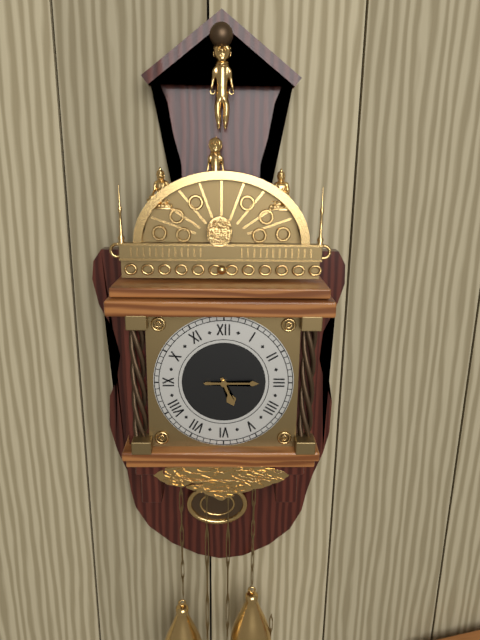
5:15
